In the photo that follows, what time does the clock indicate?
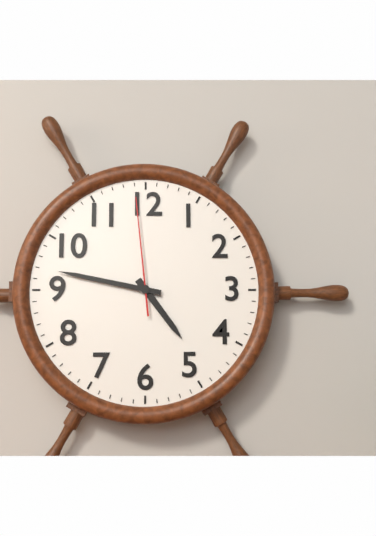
4:47:59
